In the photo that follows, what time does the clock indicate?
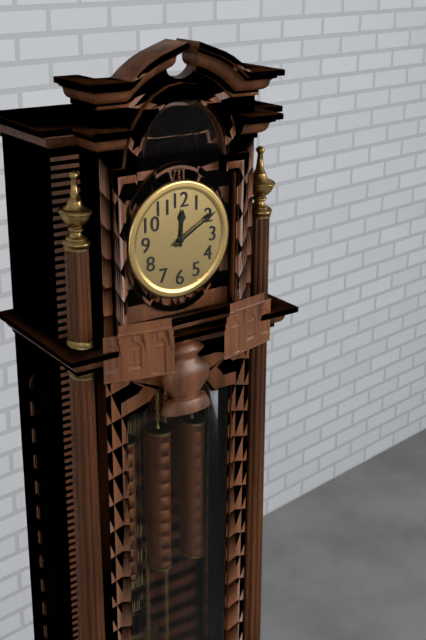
12:10
